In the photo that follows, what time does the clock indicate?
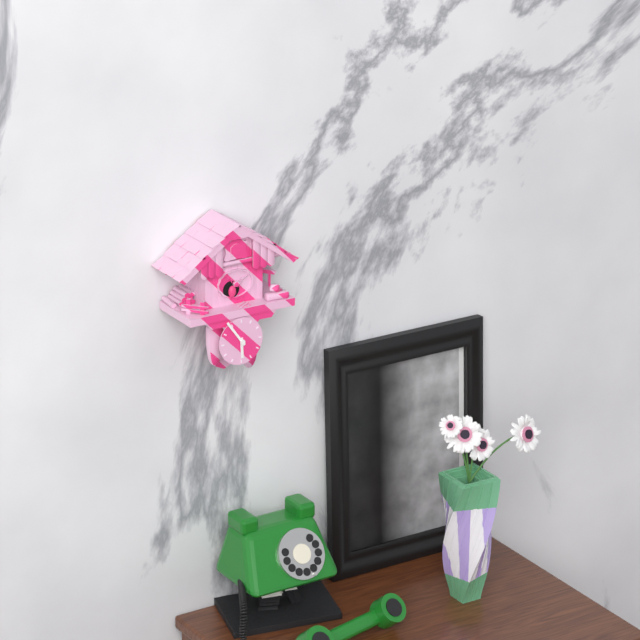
5:54
